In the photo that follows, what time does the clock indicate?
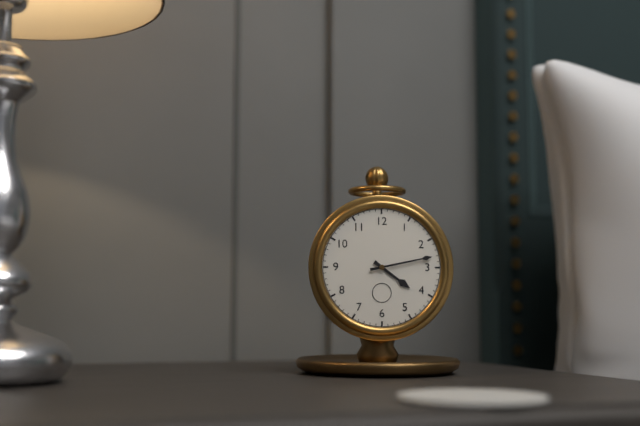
4:13
